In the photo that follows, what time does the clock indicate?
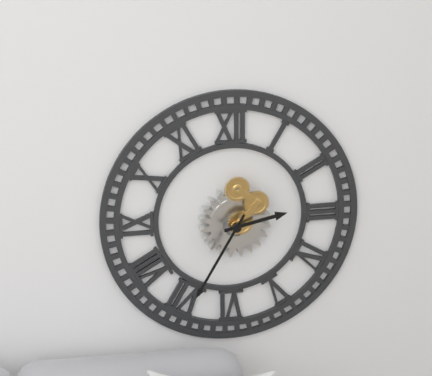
2:35
